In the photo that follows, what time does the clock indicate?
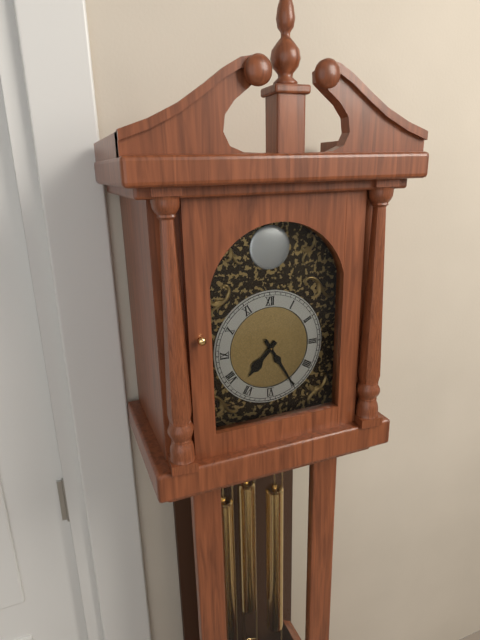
7:25
